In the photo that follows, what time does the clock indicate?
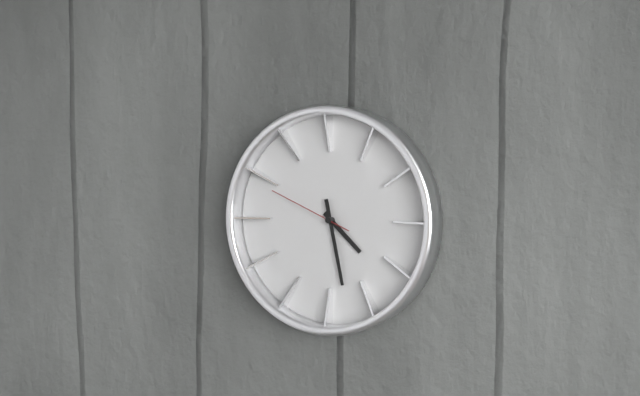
4:28:49
